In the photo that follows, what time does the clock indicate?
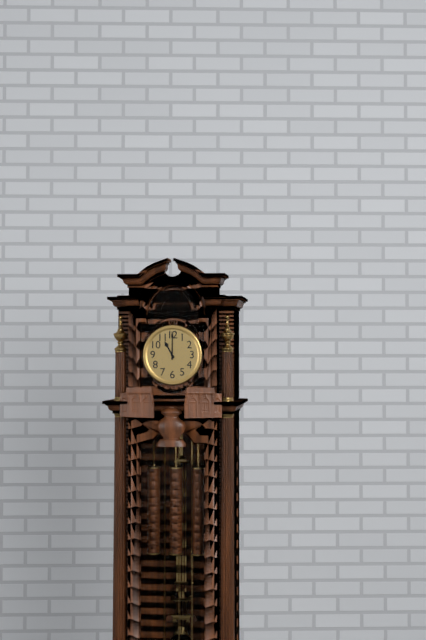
11:00
